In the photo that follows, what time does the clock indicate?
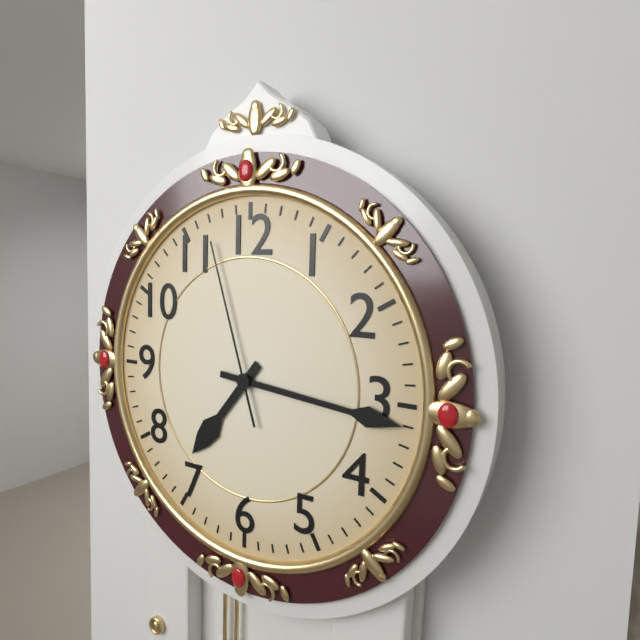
7:16:57
